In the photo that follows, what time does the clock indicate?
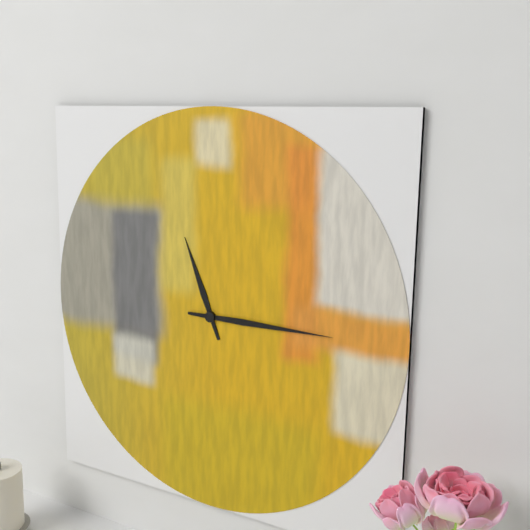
11:15
